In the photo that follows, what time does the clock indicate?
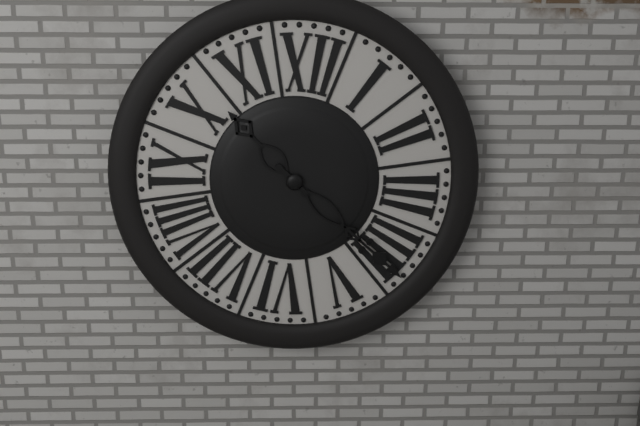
10:21
